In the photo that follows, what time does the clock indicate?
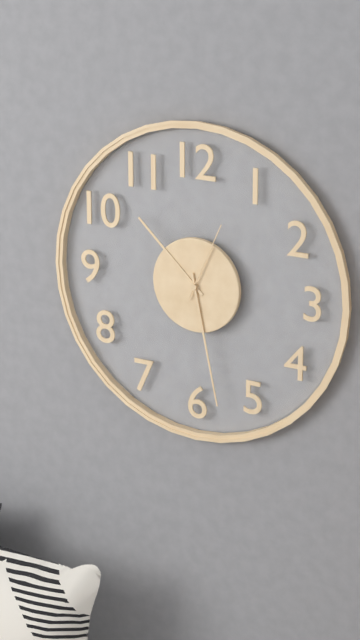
10:28:04
